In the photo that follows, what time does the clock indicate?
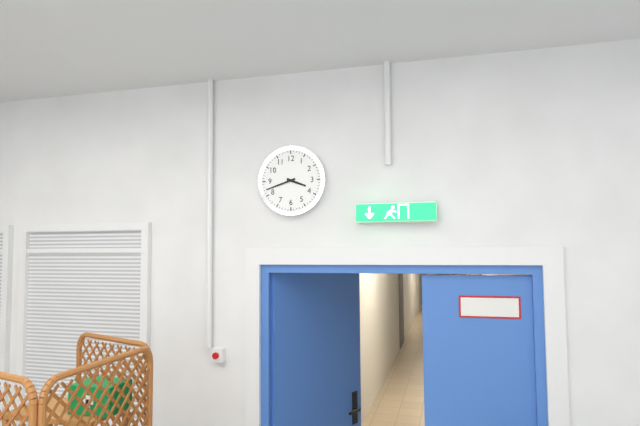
3:42
